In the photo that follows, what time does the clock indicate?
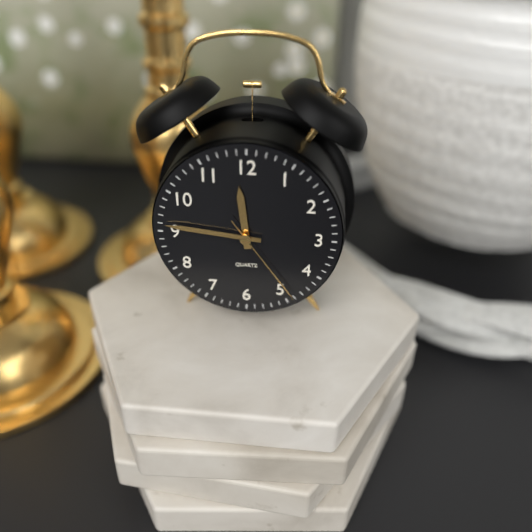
11:46:24
